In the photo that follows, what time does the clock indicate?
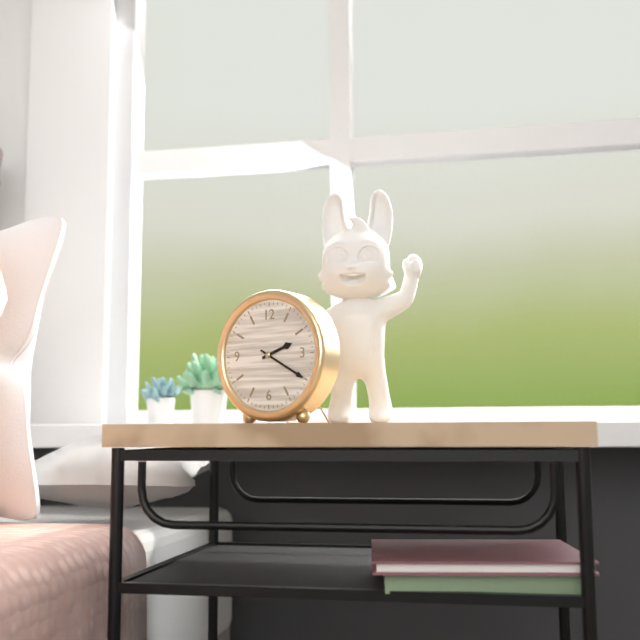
2:20
